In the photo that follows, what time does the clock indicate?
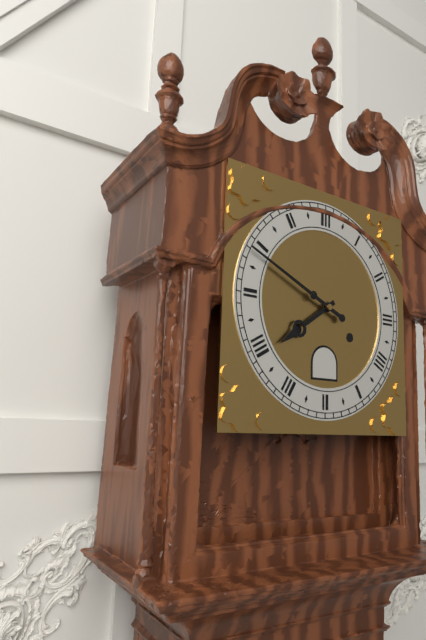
7:49
